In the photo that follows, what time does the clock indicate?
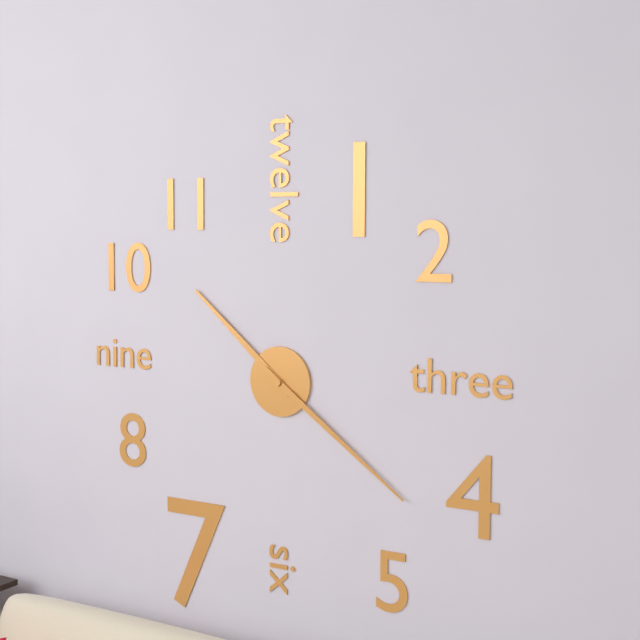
10:21
